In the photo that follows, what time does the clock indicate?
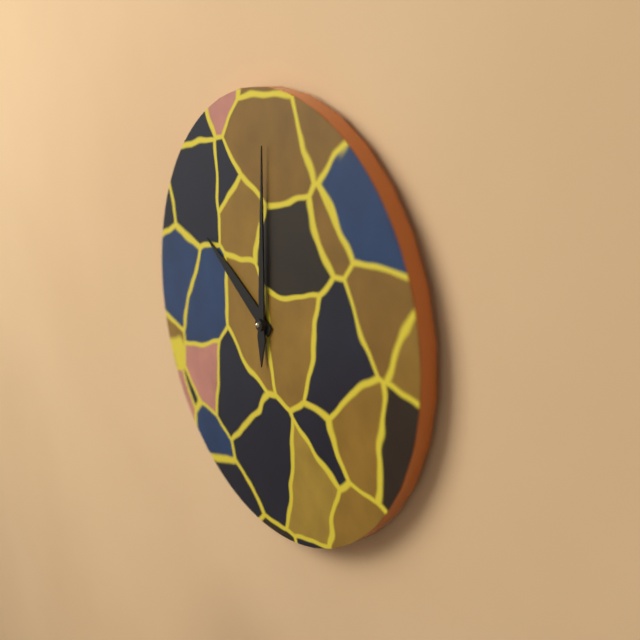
10:00
